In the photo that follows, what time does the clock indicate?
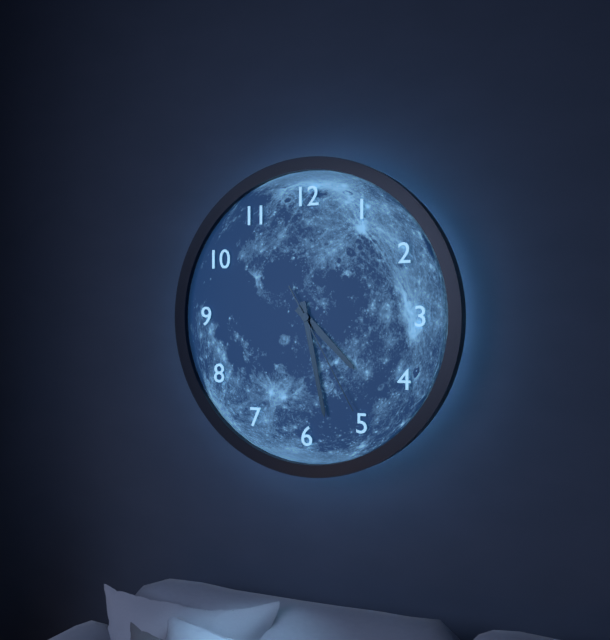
4:28:25
